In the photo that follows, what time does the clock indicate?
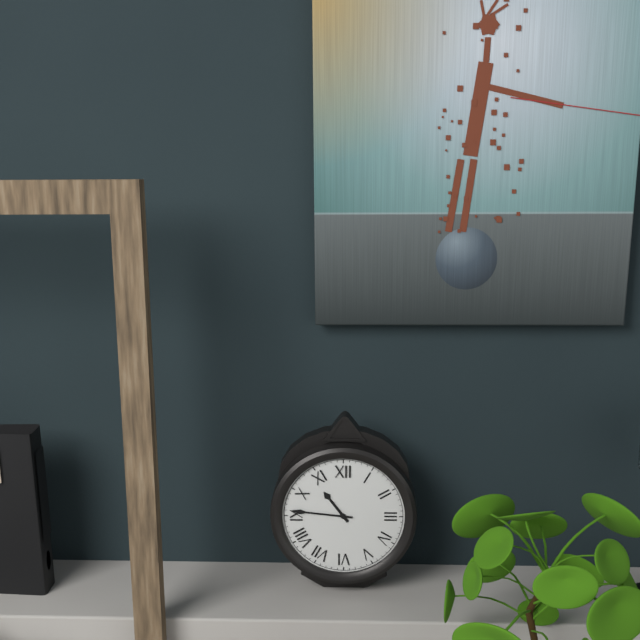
10:46
